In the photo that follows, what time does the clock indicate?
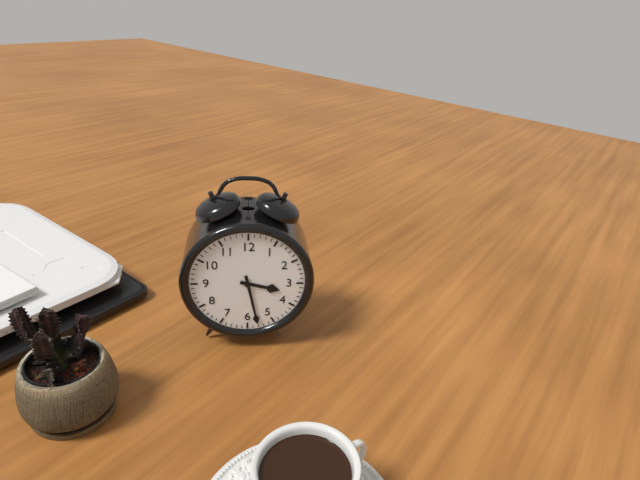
3:28
